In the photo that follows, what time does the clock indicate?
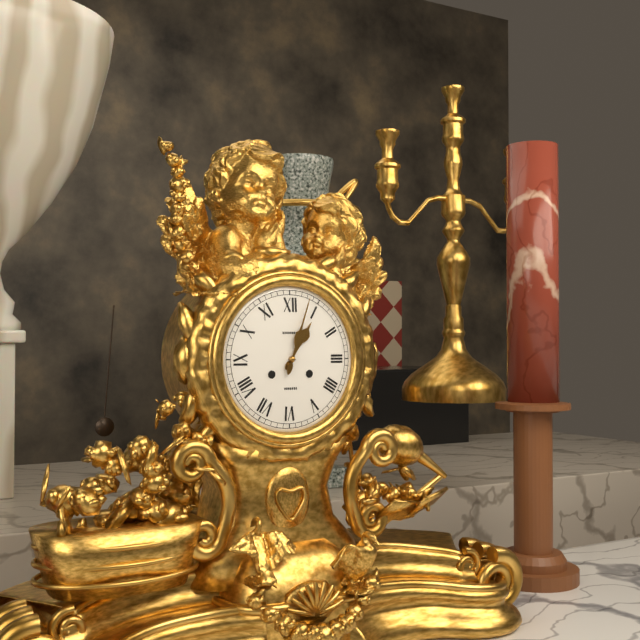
1:03
